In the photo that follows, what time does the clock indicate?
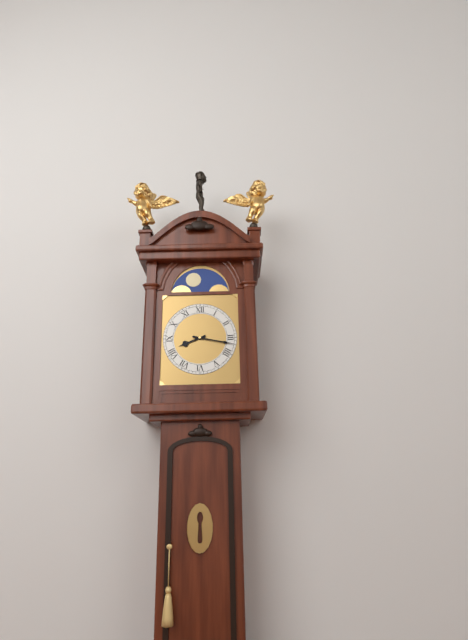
8:17
